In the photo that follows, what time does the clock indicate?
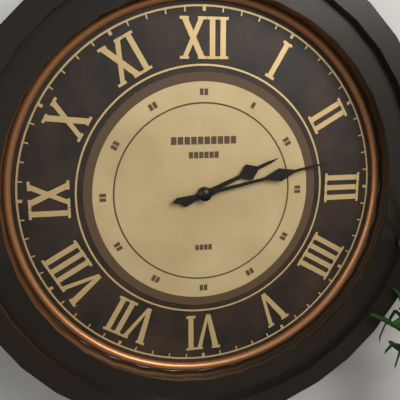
2:13
